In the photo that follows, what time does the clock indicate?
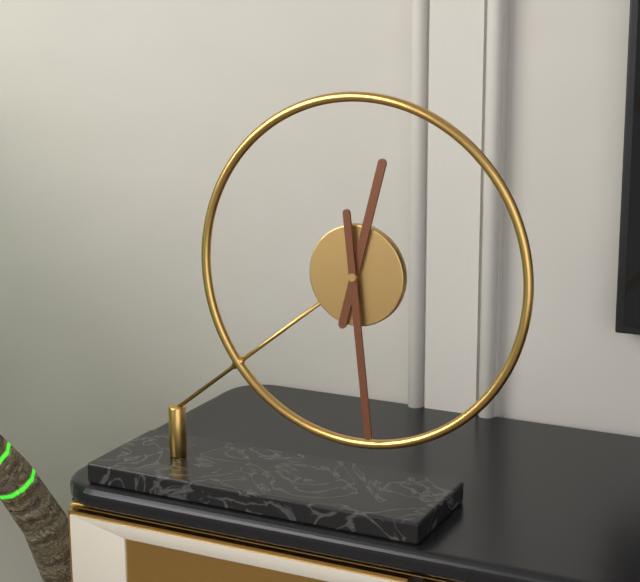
12:29
